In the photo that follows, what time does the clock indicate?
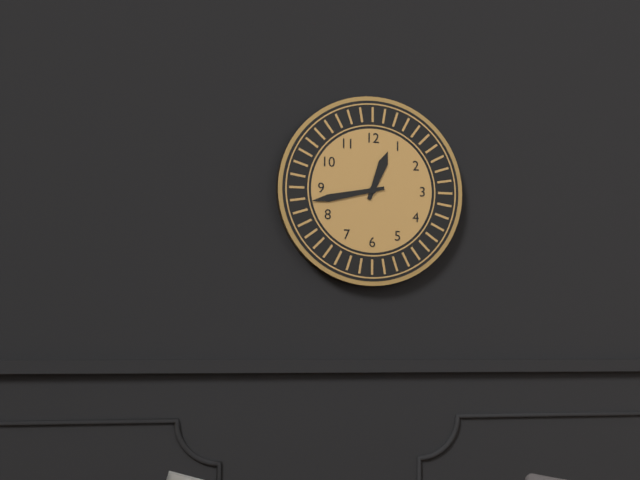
12:43
